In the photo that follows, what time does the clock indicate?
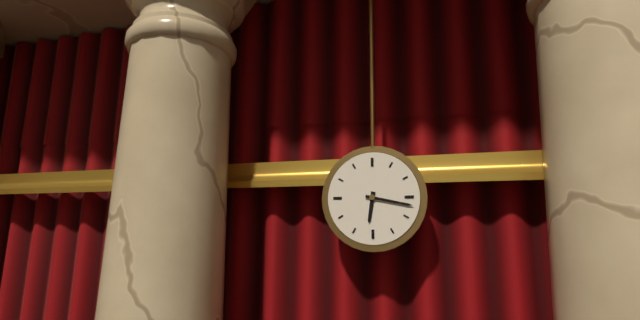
6:17
